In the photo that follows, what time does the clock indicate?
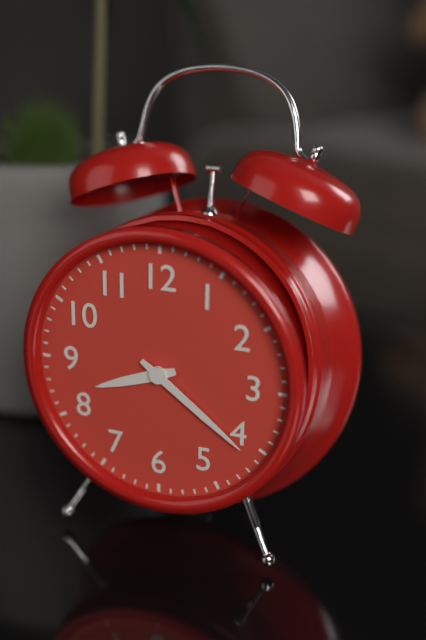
8:21
